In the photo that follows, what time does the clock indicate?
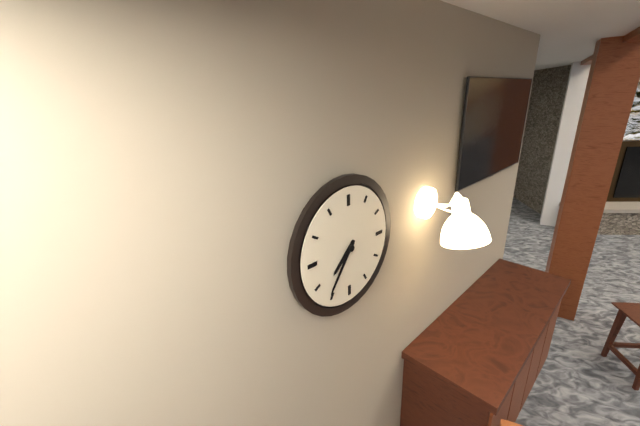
7:36
